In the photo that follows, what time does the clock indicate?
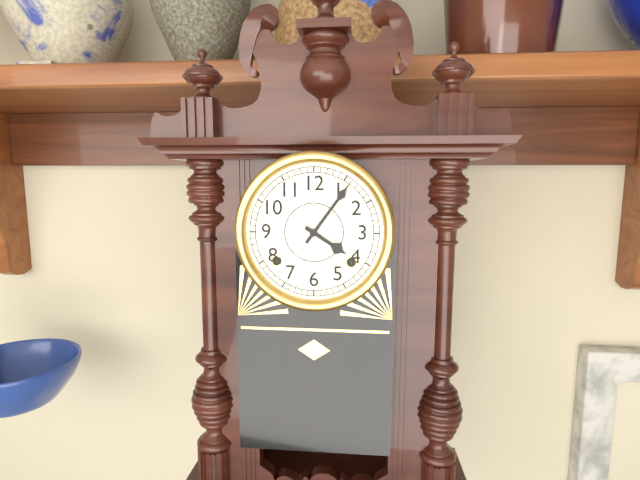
4:06
